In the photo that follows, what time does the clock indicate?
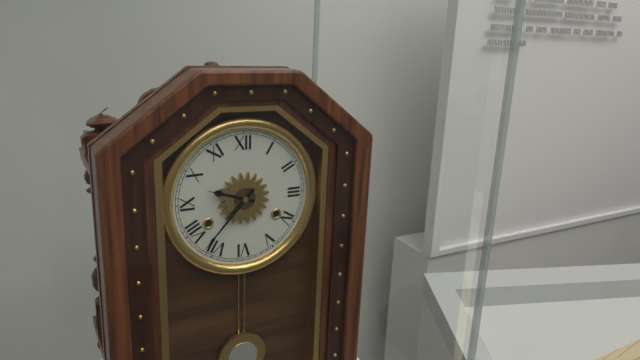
9:37
